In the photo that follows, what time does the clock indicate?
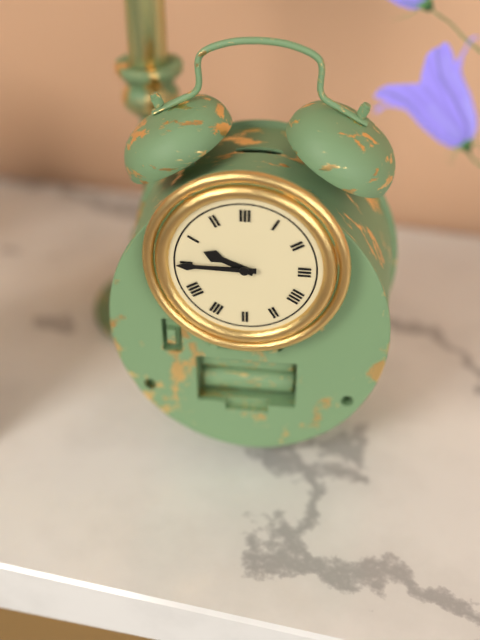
9:45
